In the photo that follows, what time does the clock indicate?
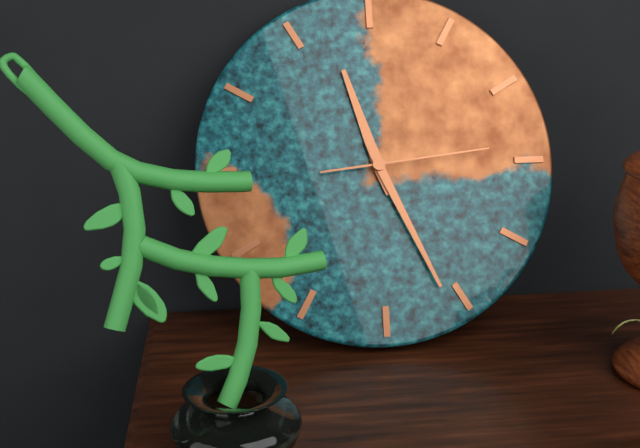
11:26:14
